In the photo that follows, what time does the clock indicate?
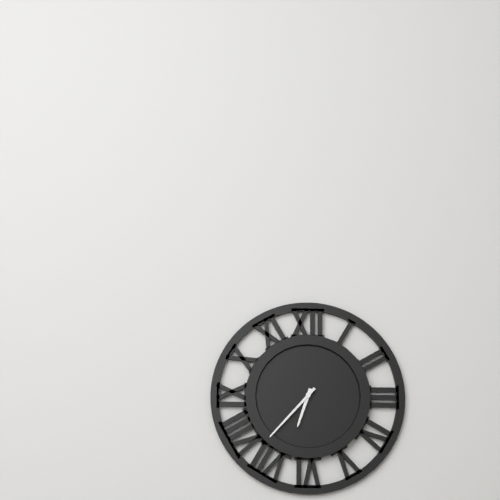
6:37
